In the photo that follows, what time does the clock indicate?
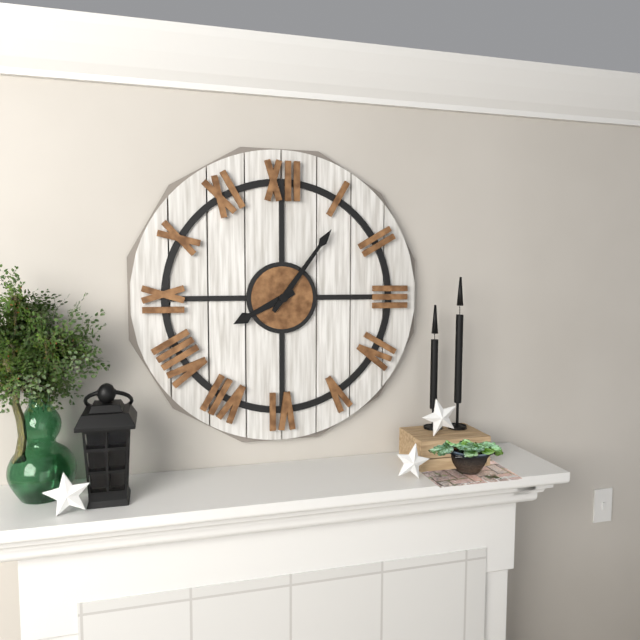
8:06
